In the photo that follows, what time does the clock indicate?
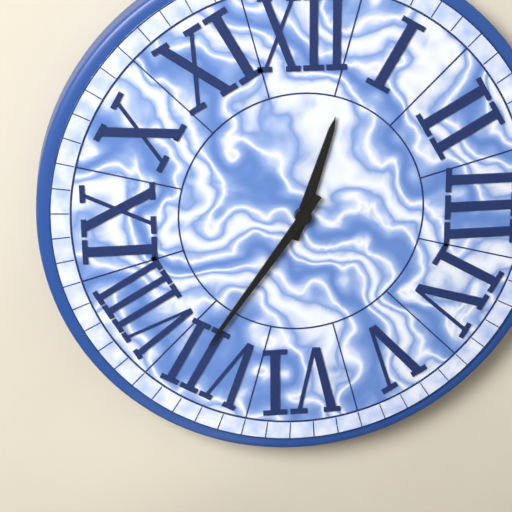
12:36
